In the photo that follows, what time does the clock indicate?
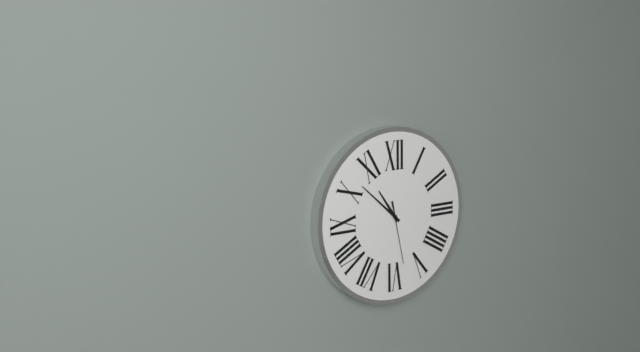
10:52:28
